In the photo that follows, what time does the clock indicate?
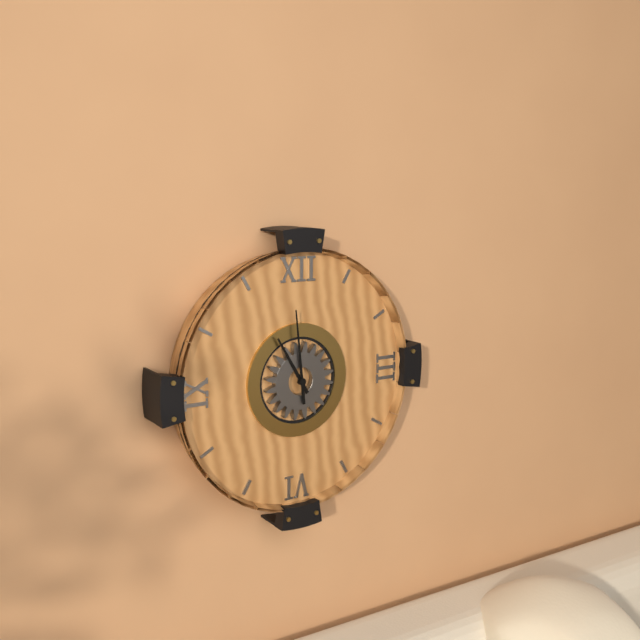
10:59
